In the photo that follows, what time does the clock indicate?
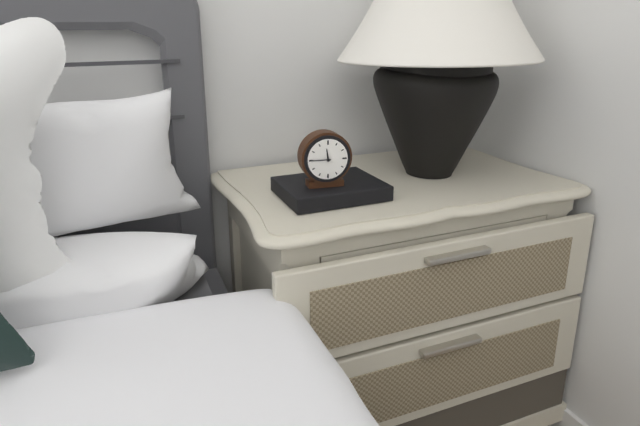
11:45
